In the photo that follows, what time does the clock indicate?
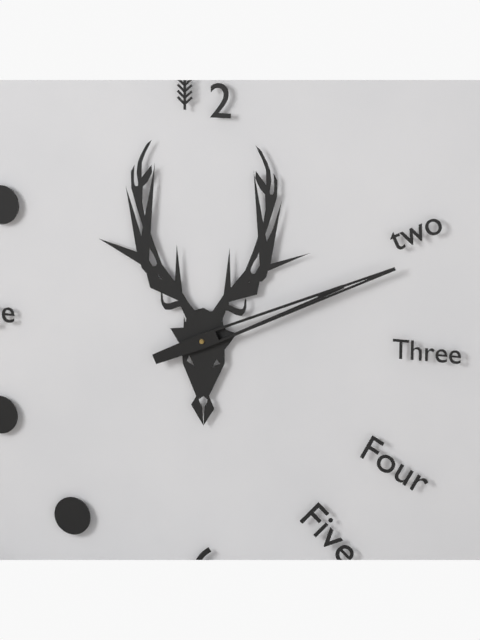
2:11
